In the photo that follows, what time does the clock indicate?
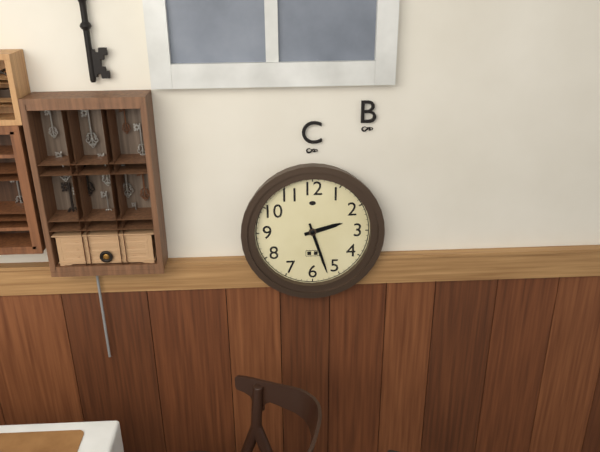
2:27
